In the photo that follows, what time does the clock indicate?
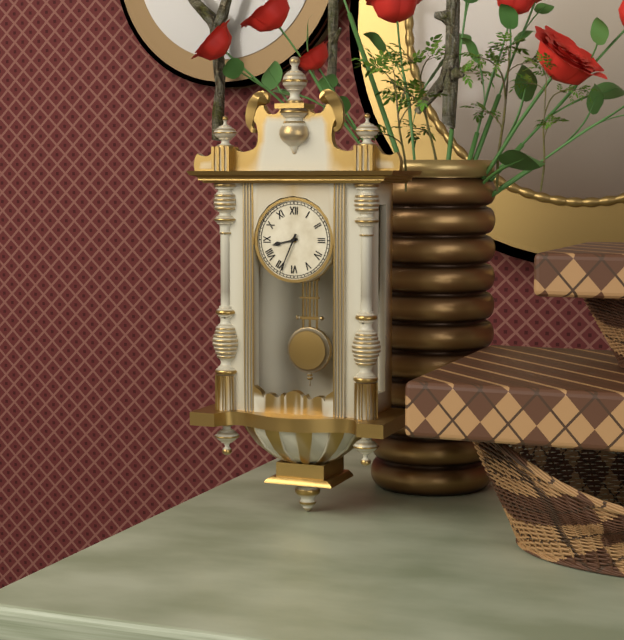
8:34
